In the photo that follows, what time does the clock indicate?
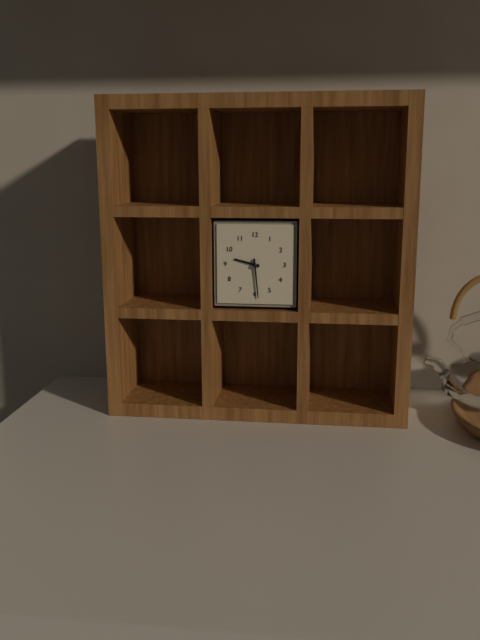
9:29
